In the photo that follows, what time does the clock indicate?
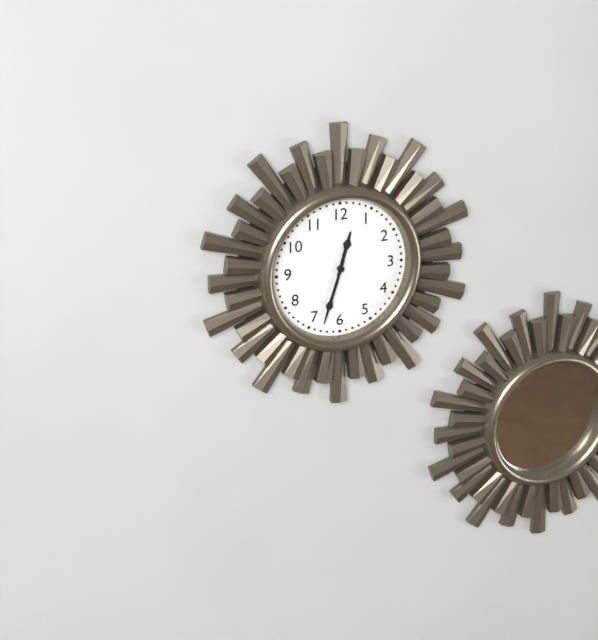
12:33
